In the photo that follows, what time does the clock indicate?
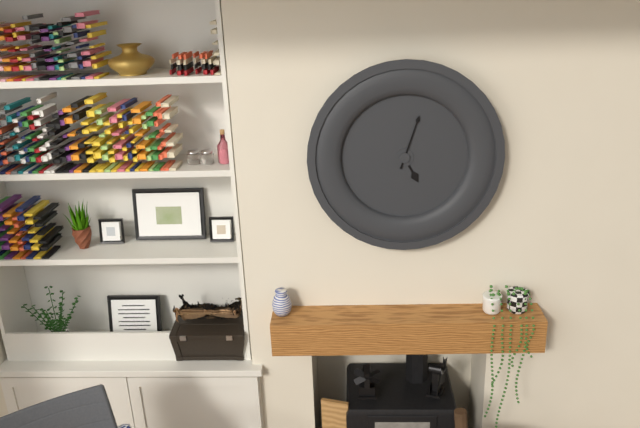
5:03
